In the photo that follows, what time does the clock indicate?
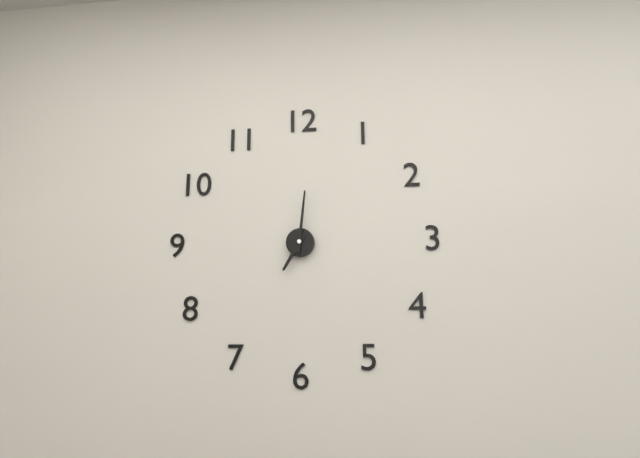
7:01
